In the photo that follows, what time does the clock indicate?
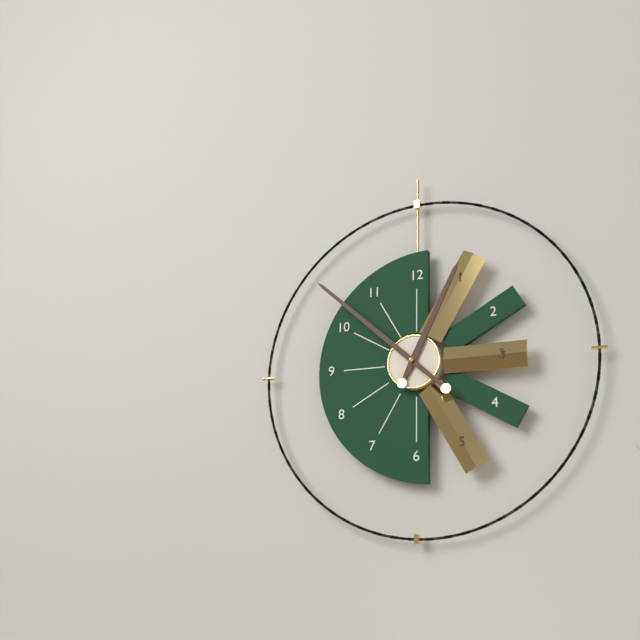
12:52
